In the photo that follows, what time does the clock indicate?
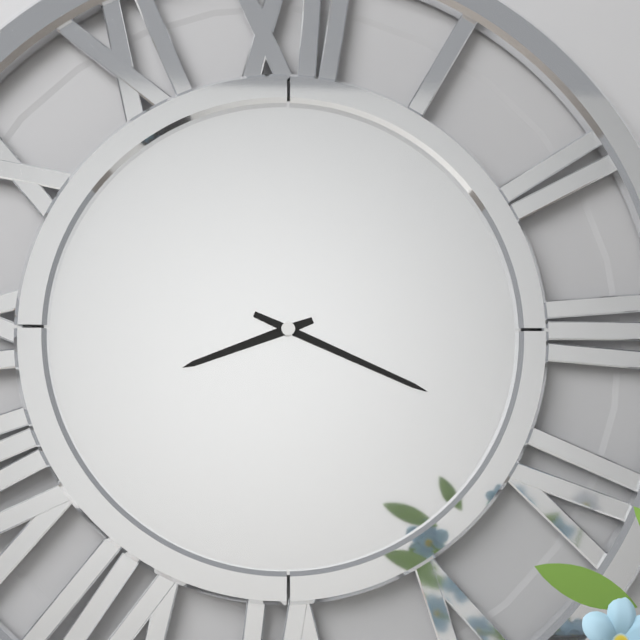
8:19
